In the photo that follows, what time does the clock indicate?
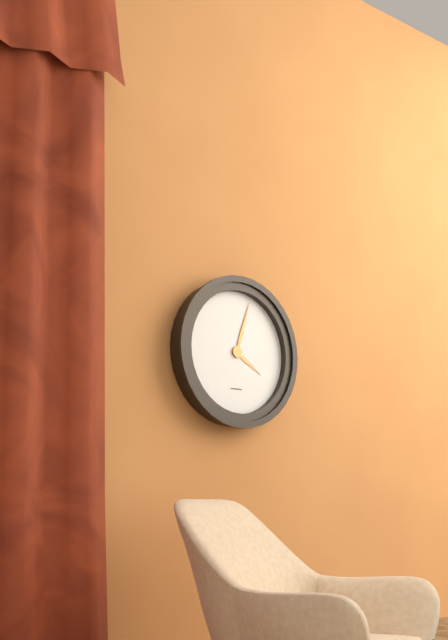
4:03
